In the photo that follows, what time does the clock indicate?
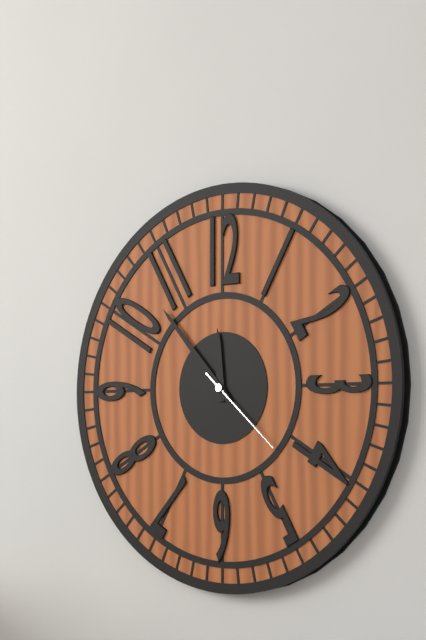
11:53:22
